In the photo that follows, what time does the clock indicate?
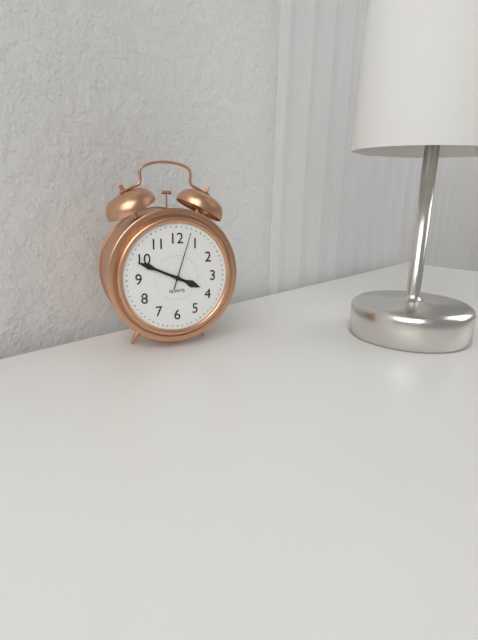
3:49:03
